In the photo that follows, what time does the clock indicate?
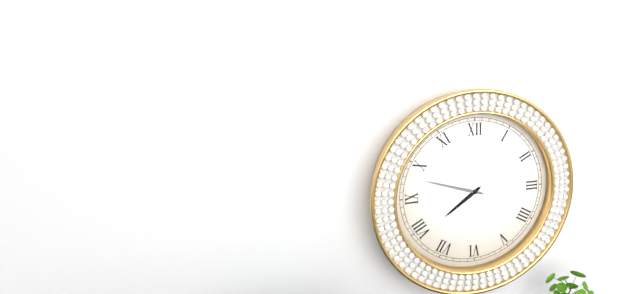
7:48
